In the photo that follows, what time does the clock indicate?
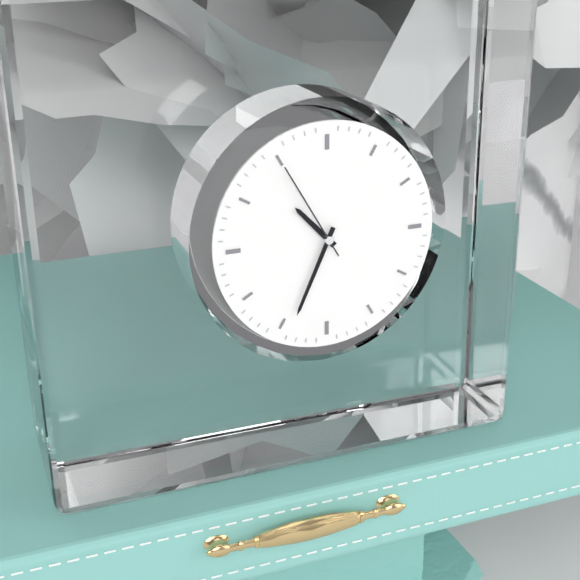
10:34:55
